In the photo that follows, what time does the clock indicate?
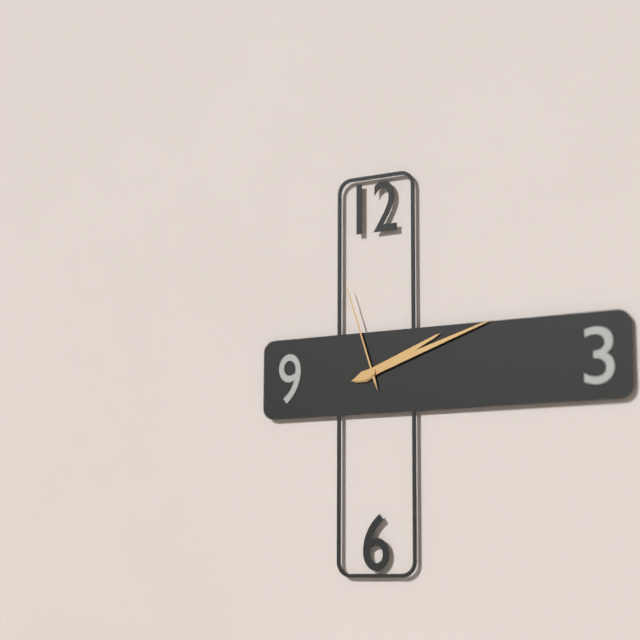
2:12:57
